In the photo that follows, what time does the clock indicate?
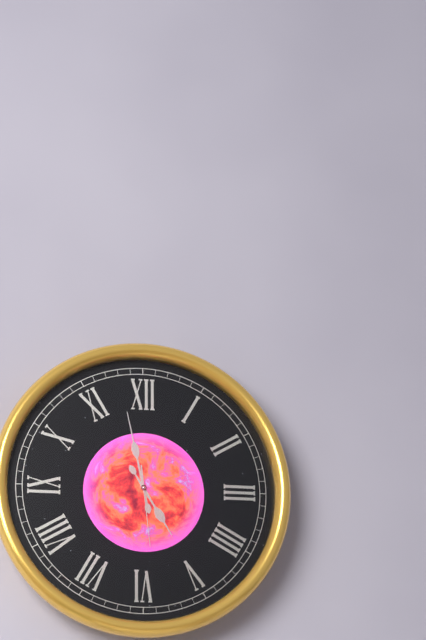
4:58:29
